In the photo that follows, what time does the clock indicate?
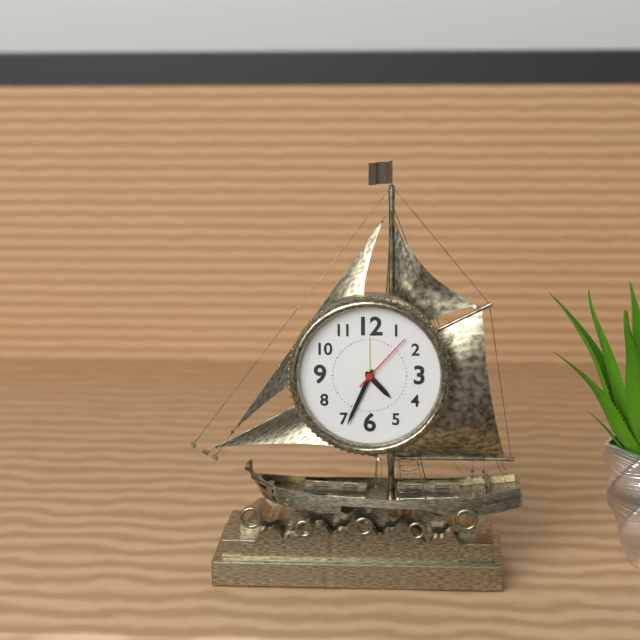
4:34:07
